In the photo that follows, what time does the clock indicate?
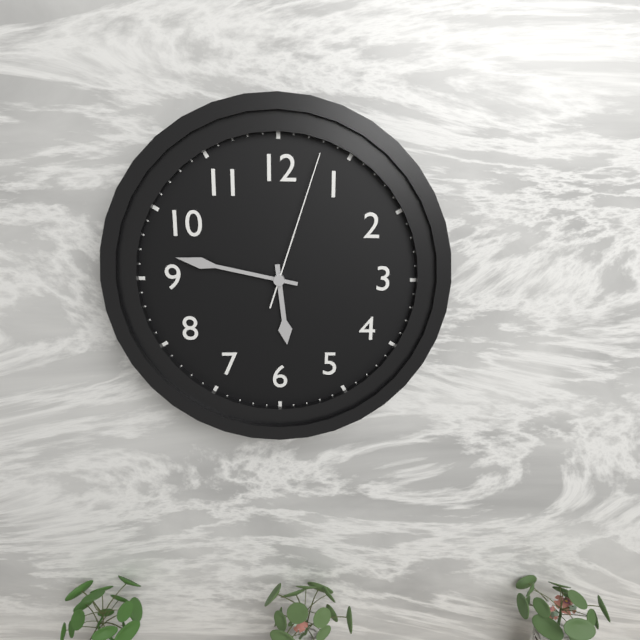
5:47:03
